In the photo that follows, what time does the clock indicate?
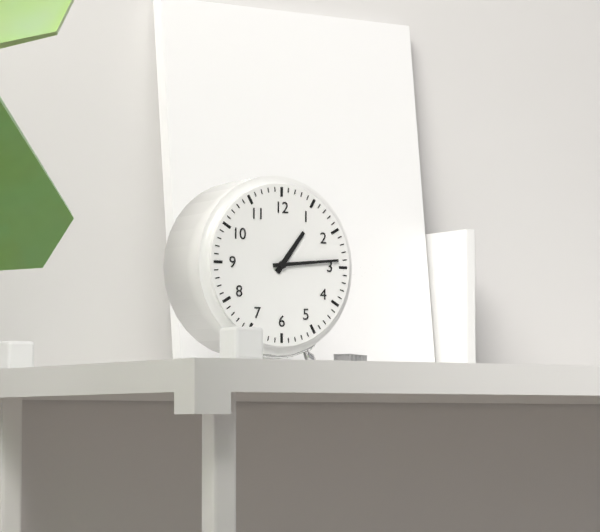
1:14
